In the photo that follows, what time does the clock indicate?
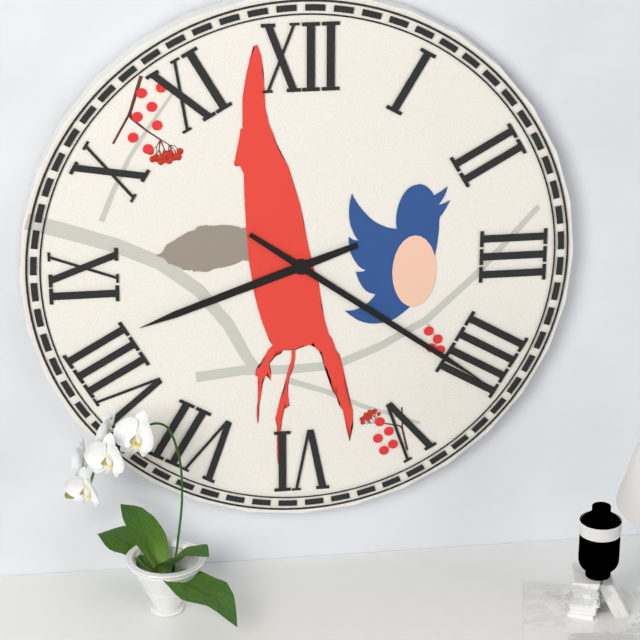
8:21
